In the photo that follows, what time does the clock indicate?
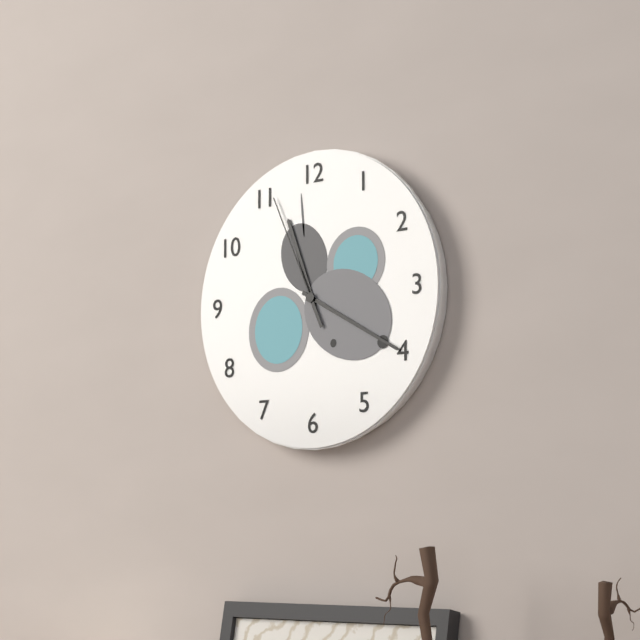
11:20:56
